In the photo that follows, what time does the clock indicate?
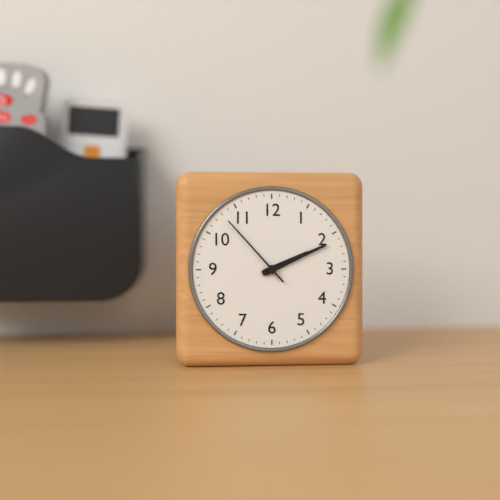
2:11:53
